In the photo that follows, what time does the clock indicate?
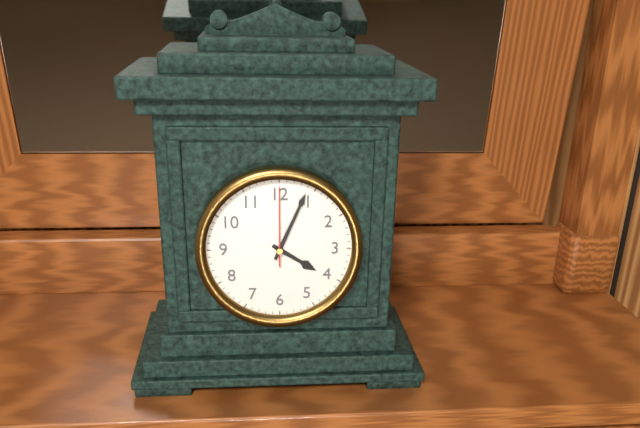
4:04:00
